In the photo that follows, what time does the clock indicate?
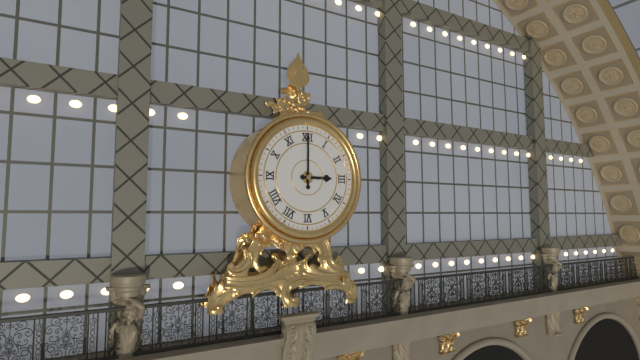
3:00
